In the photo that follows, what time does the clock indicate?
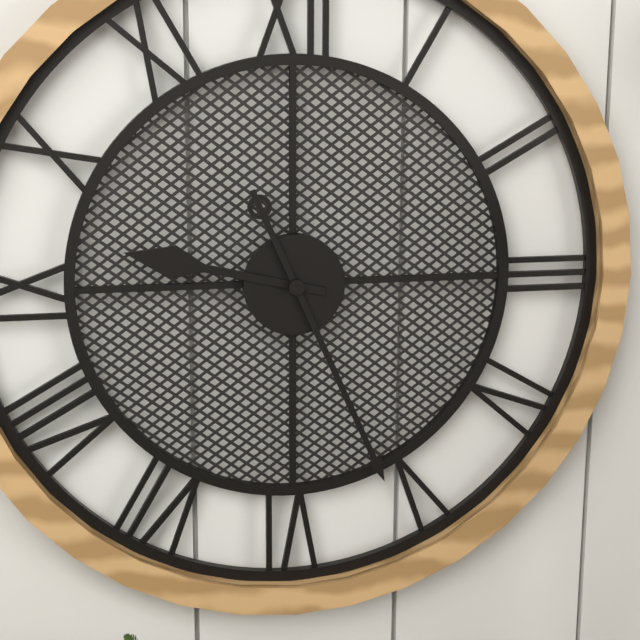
9:26
